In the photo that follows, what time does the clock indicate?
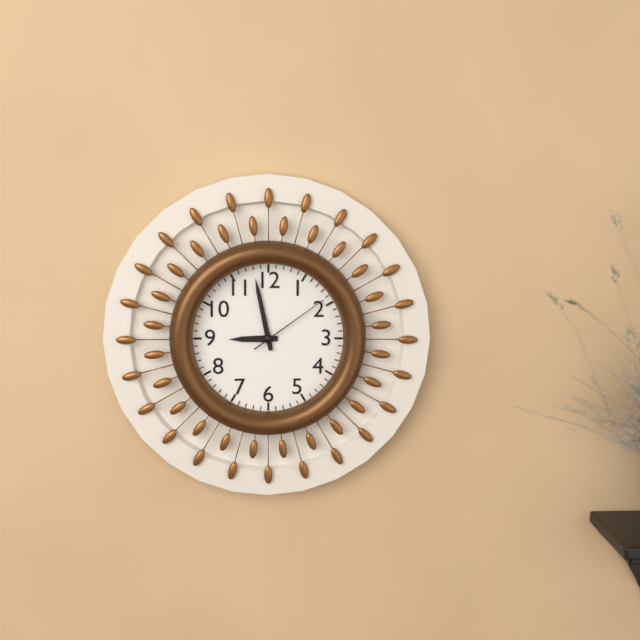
8:58:09
